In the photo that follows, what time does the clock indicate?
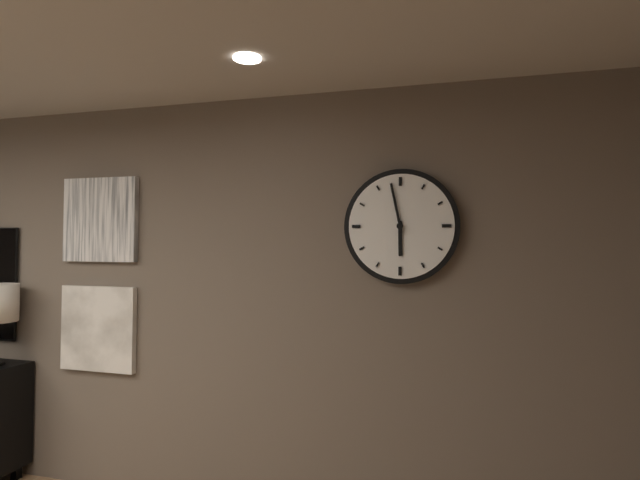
5:58
